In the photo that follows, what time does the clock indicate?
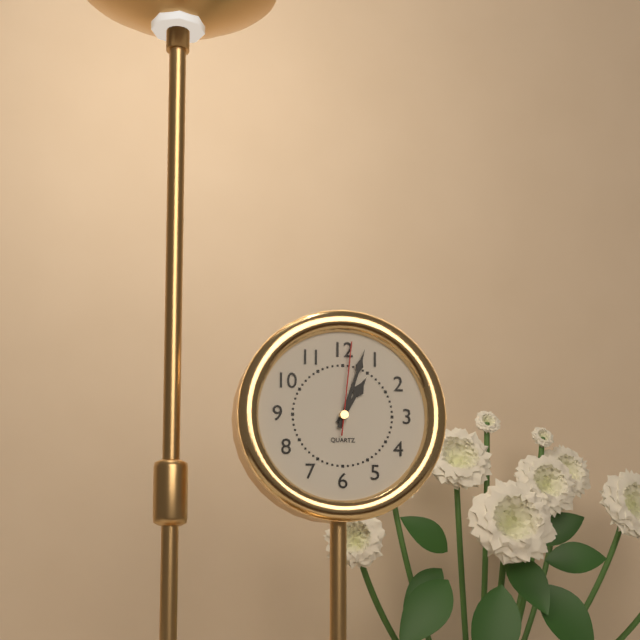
1:03:01
